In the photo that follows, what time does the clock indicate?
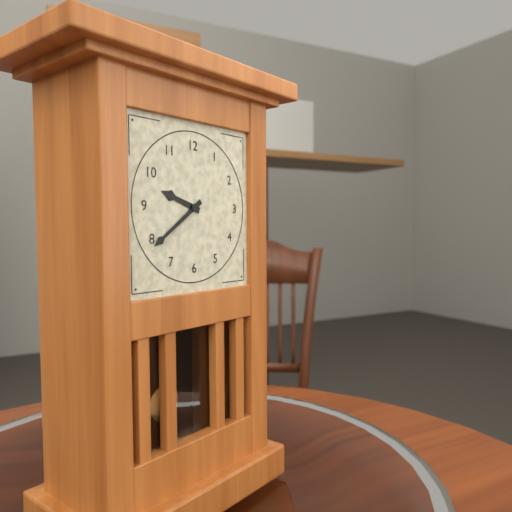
9:39
